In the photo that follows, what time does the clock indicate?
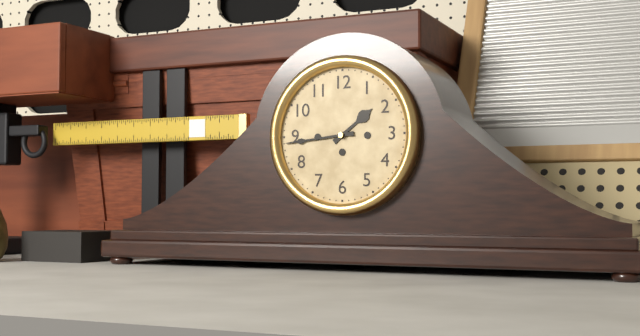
1:44
